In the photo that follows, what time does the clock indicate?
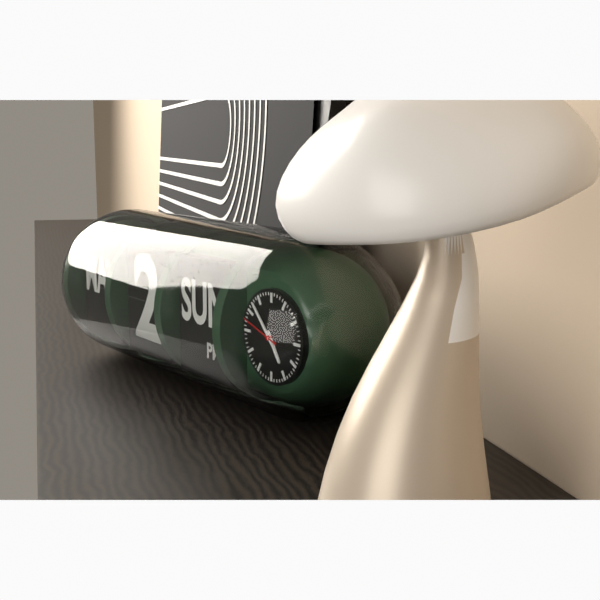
4:53
